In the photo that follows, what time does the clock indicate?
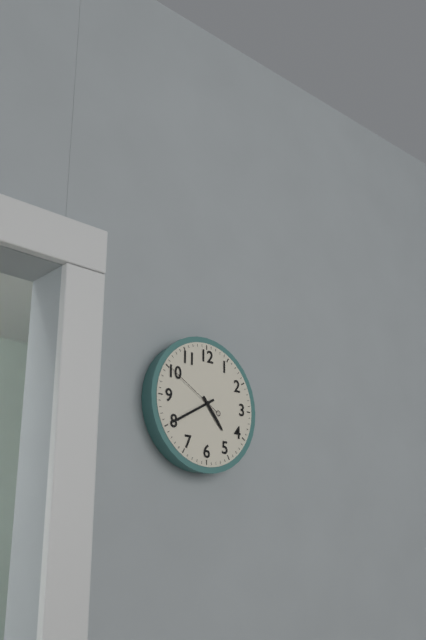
4:40:50
